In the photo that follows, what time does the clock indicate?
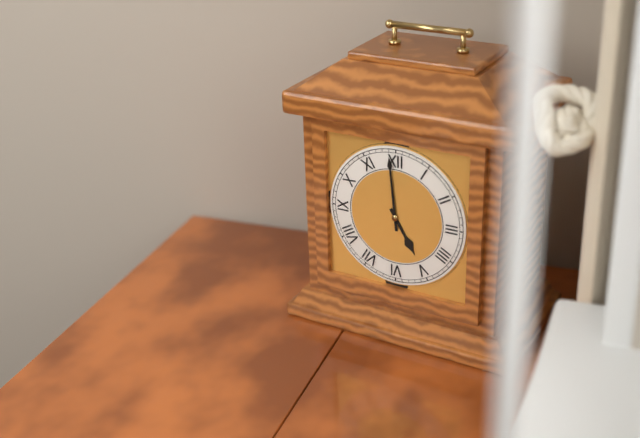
4:59
